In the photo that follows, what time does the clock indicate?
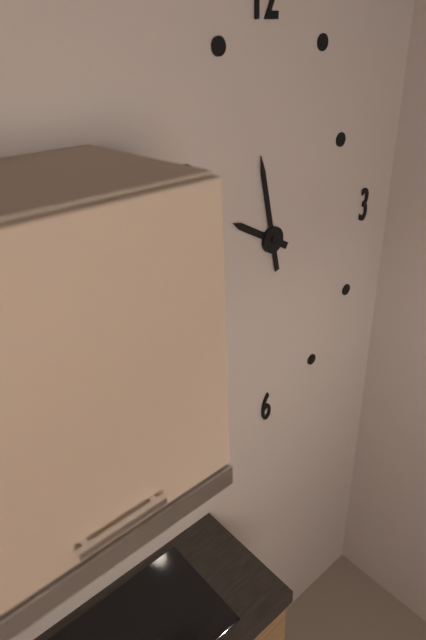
9:58
